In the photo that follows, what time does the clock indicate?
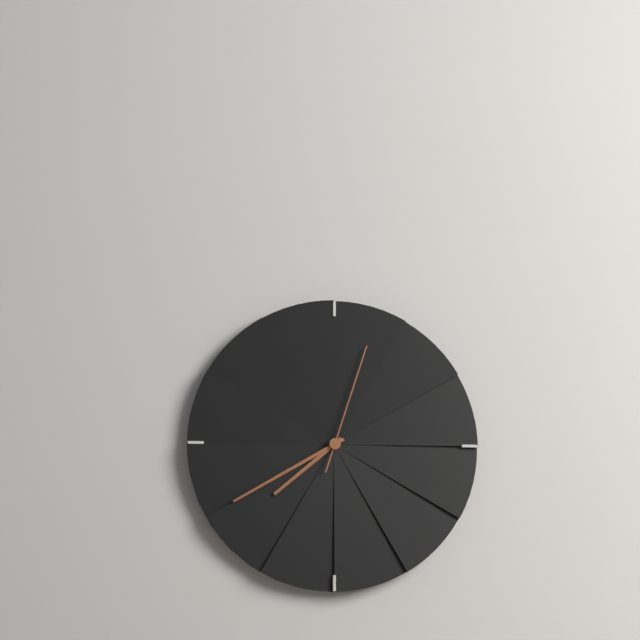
7:40:03
